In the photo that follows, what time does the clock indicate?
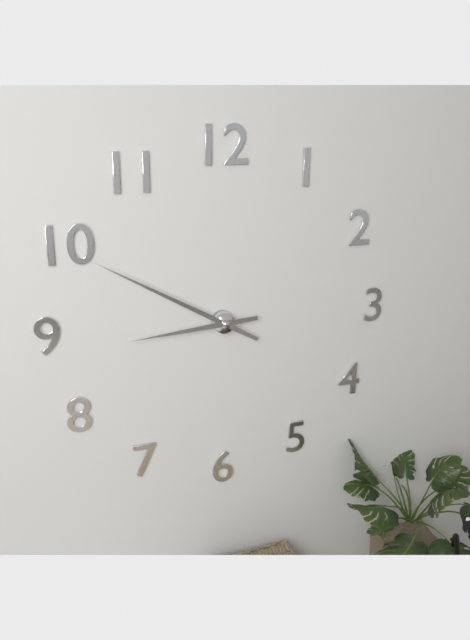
8:50
